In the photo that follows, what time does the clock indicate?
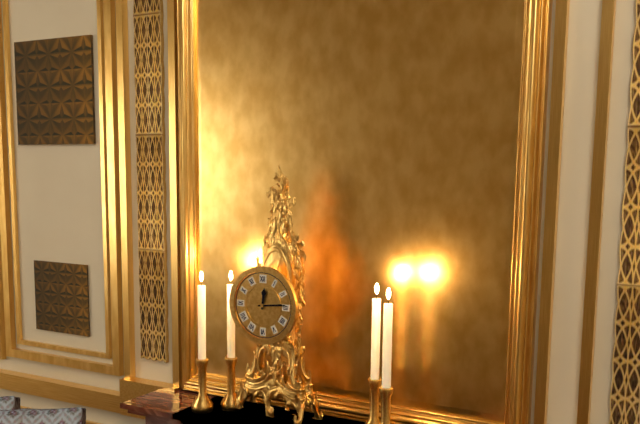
12:14
